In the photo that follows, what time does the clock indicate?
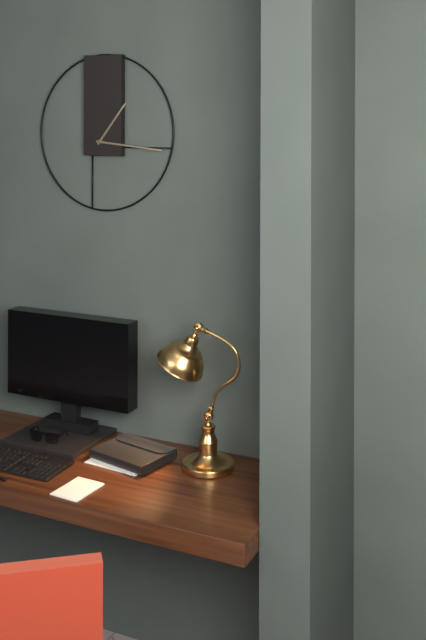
1:16
